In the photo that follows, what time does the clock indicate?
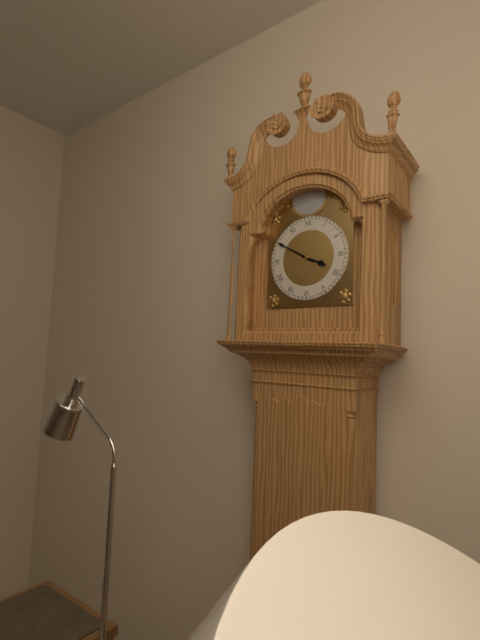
3:50
